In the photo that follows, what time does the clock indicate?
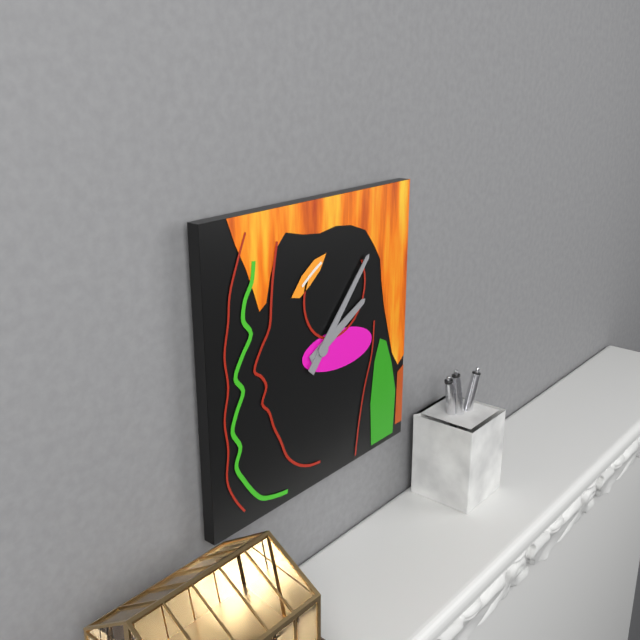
2:07
